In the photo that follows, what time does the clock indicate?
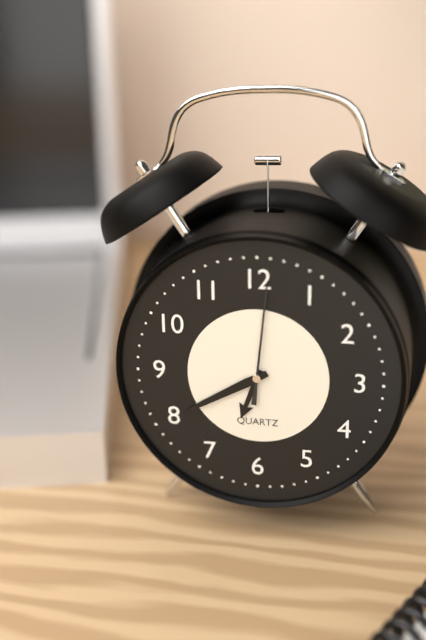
6:40:01
